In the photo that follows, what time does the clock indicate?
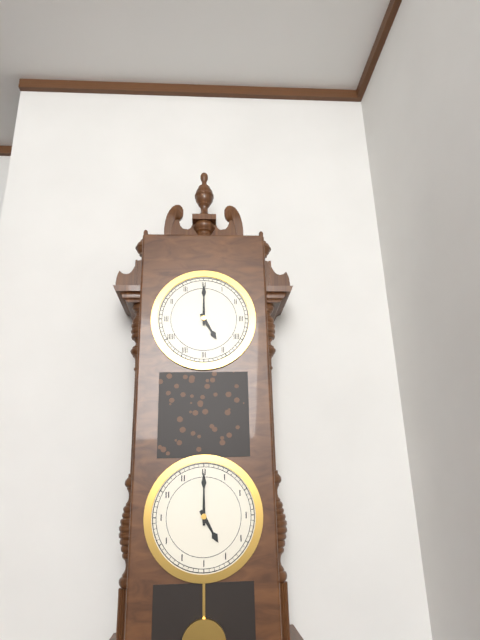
5:00
